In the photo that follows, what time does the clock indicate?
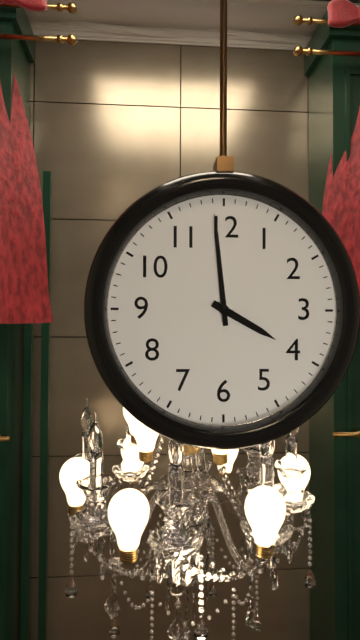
3:59
